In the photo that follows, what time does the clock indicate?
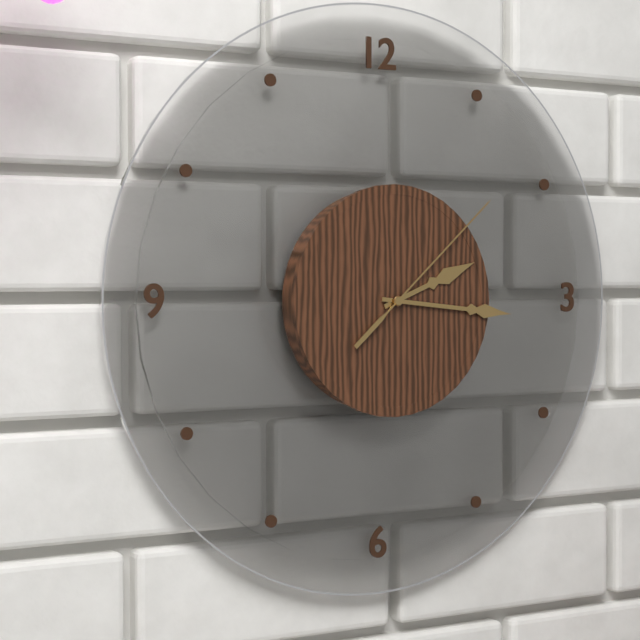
2:16:08
